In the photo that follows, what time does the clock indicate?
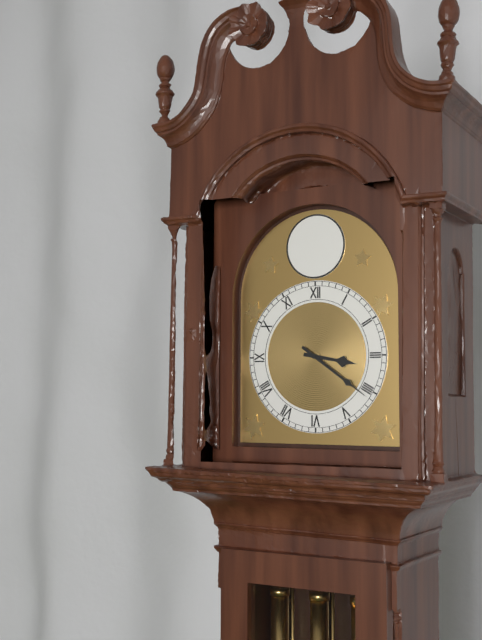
3:21
